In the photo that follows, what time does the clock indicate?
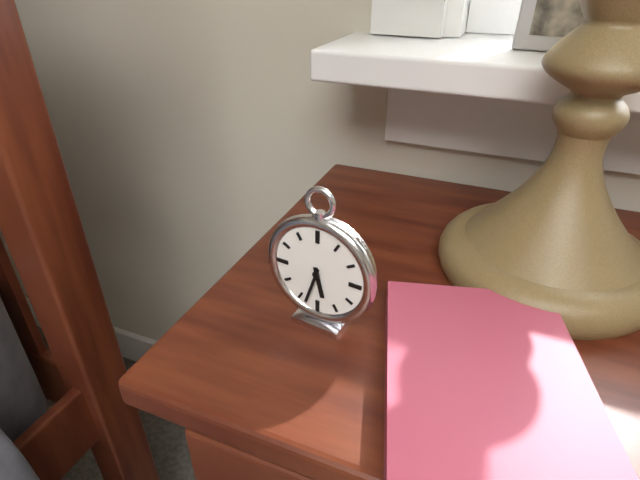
5:33
